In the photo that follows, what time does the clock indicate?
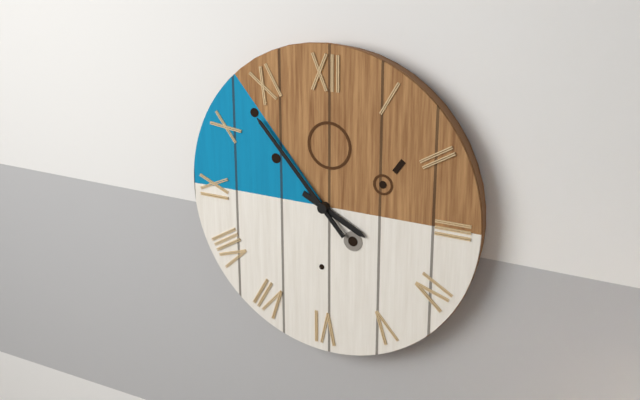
3:53
